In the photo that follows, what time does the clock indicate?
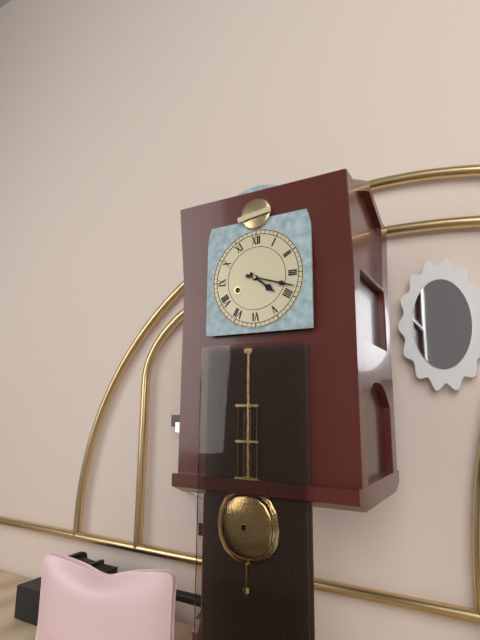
4:18
